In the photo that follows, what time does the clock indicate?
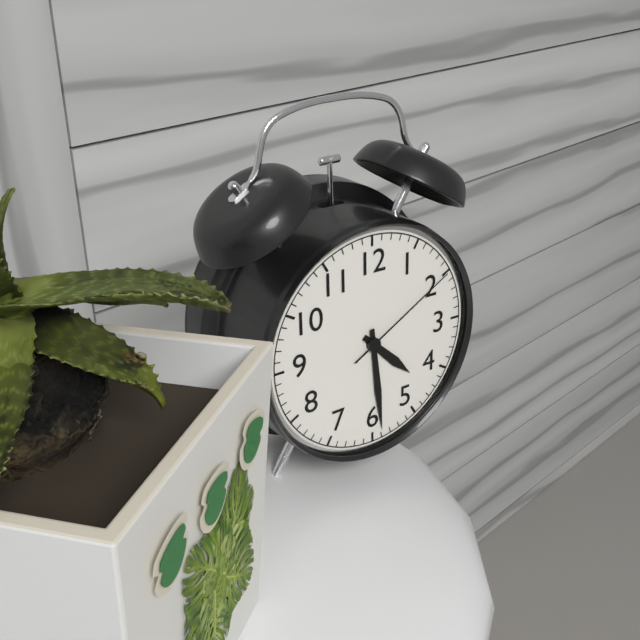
4:29:10
